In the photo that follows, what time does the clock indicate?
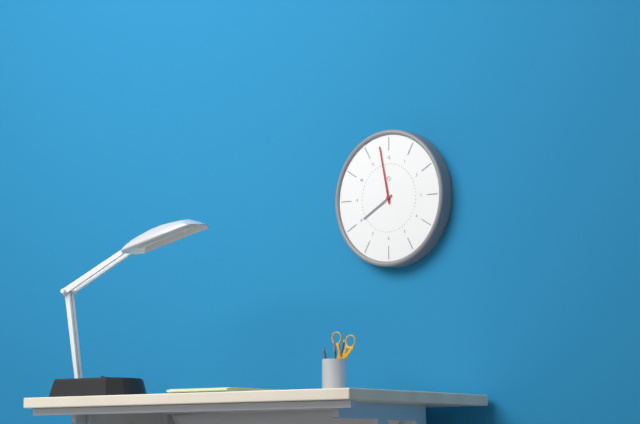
7:58
